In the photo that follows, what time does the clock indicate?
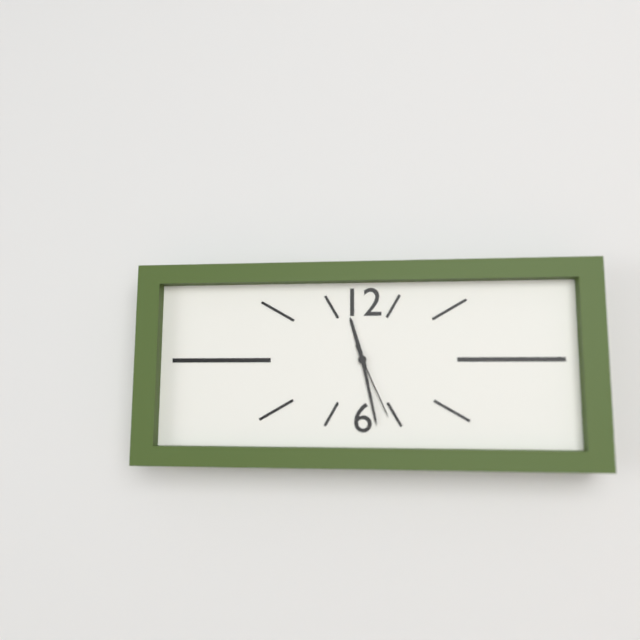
11:28:26
